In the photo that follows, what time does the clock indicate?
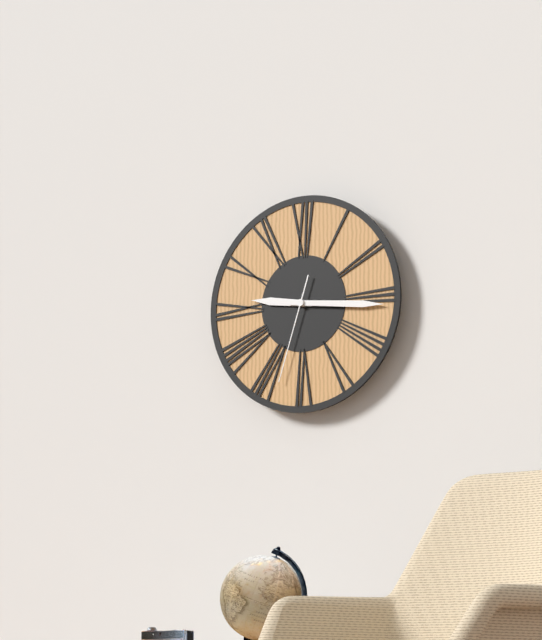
9:16:33
